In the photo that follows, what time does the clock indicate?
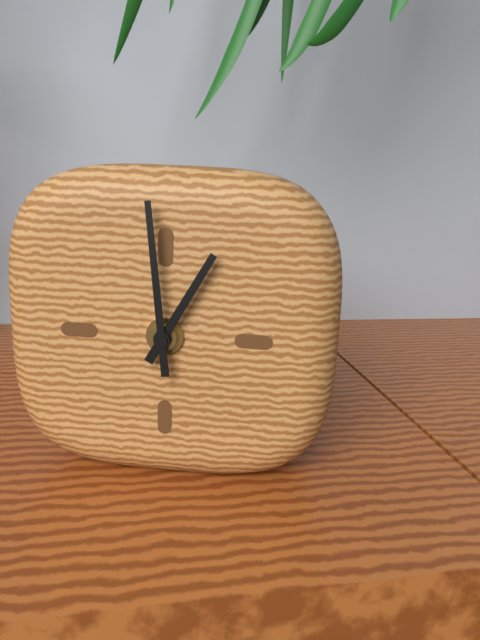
12:59
